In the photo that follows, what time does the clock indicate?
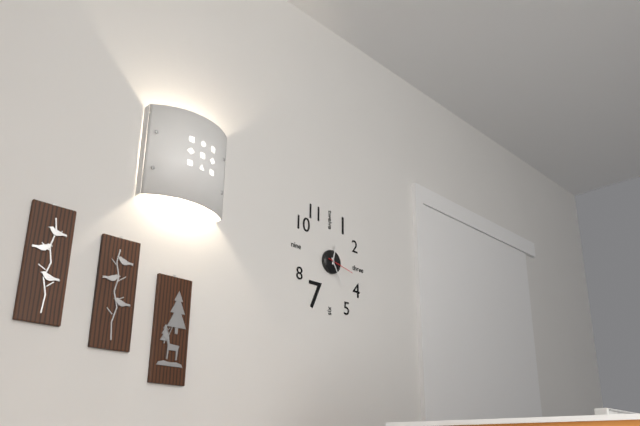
12:25
